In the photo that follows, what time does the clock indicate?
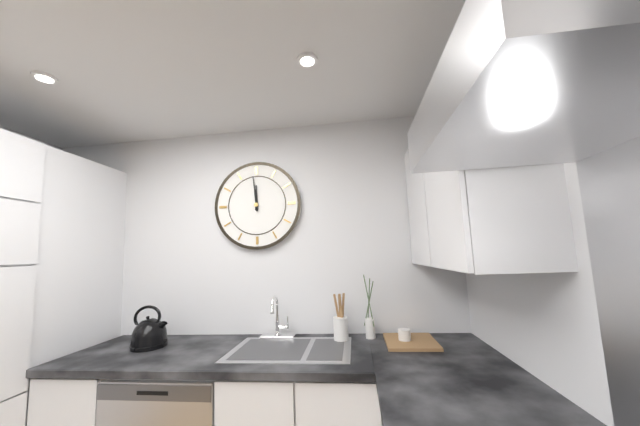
11:59
